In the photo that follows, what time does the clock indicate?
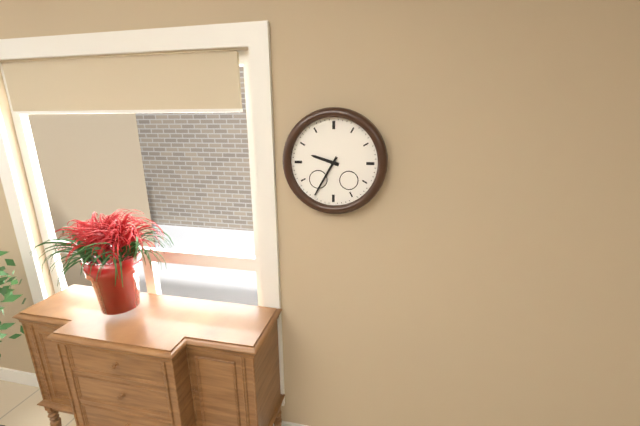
9:35
